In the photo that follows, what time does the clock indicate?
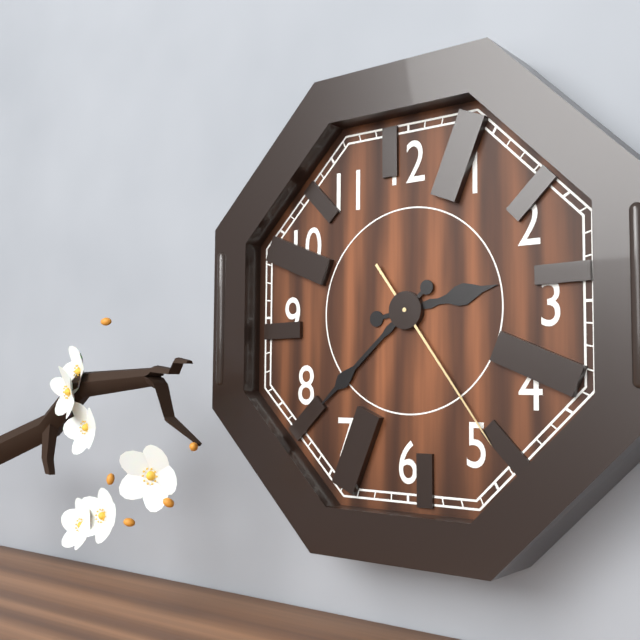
2:38:24
